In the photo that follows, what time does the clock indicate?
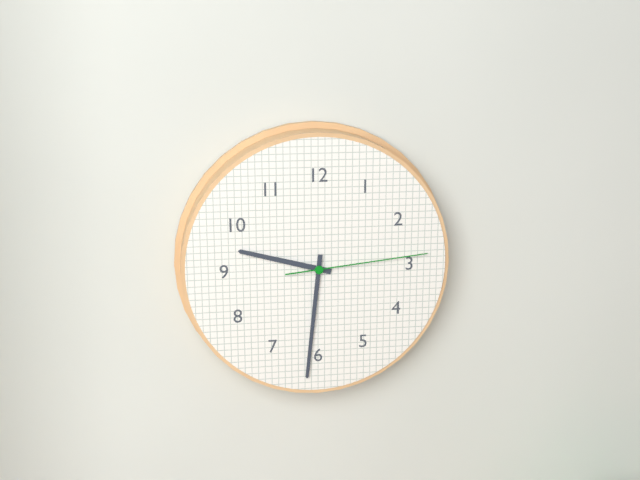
9:31:14
